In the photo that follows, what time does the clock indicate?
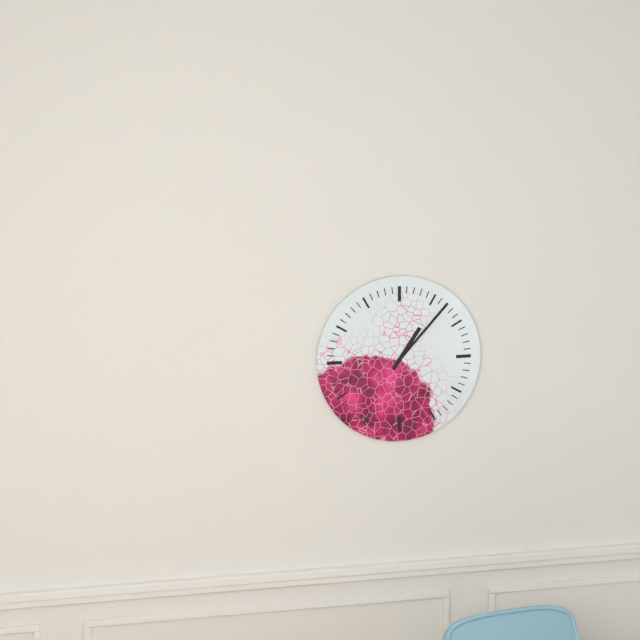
1:07
